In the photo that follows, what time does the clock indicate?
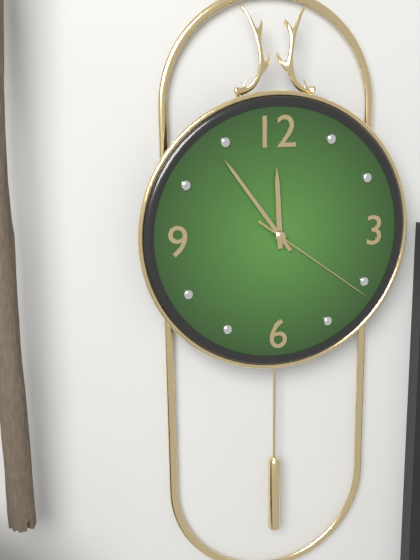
11:54:21
